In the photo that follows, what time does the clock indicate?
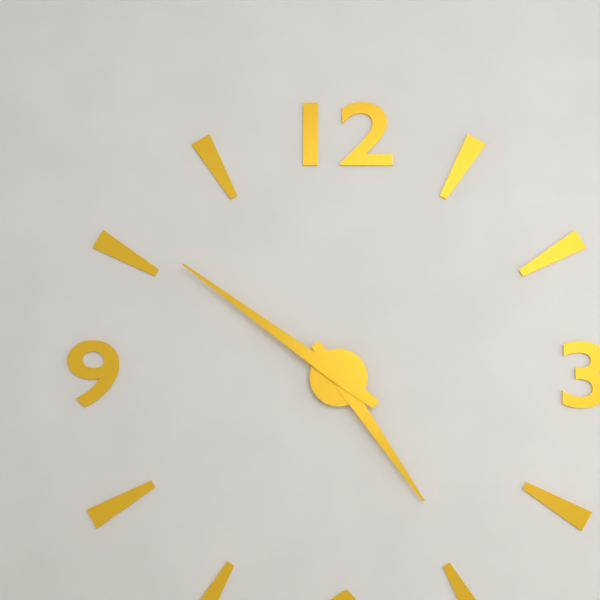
4:51
